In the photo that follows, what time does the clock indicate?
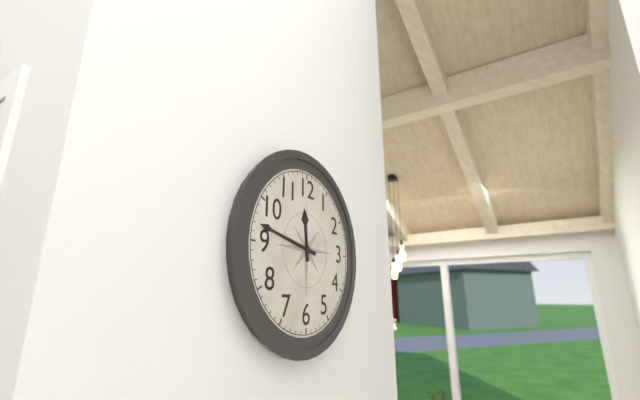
11:47
